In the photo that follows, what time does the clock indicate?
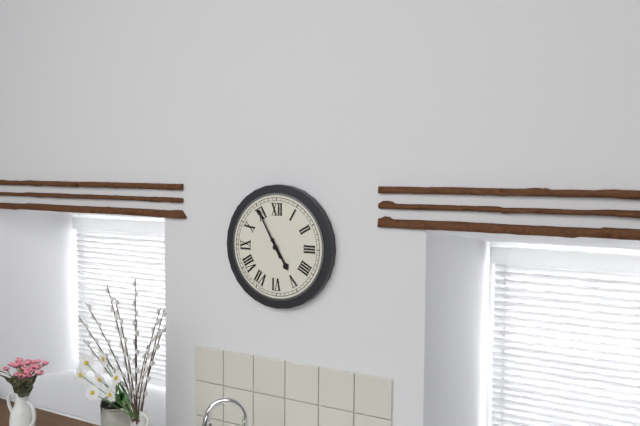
4:55
